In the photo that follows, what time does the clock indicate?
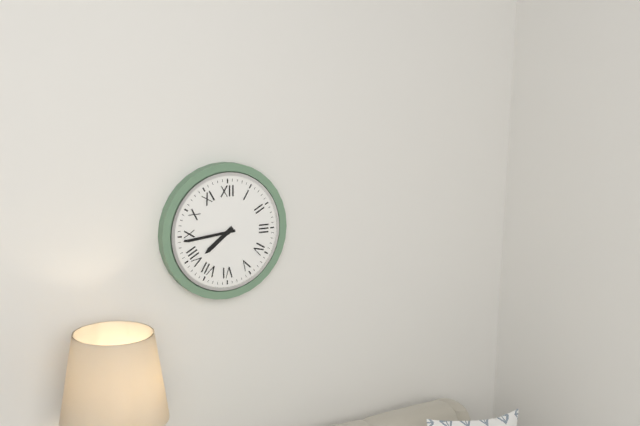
7:44
